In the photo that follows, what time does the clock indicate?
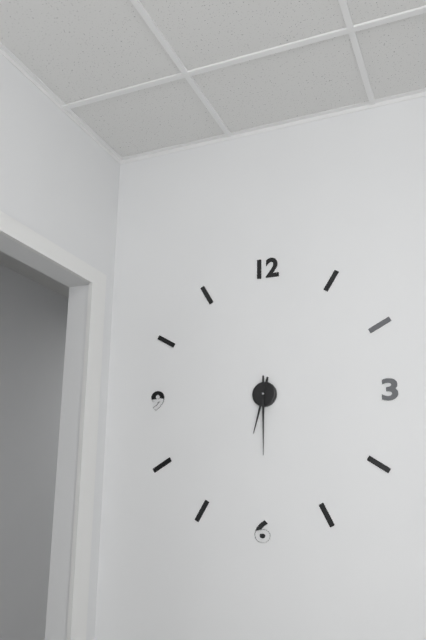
6:30
